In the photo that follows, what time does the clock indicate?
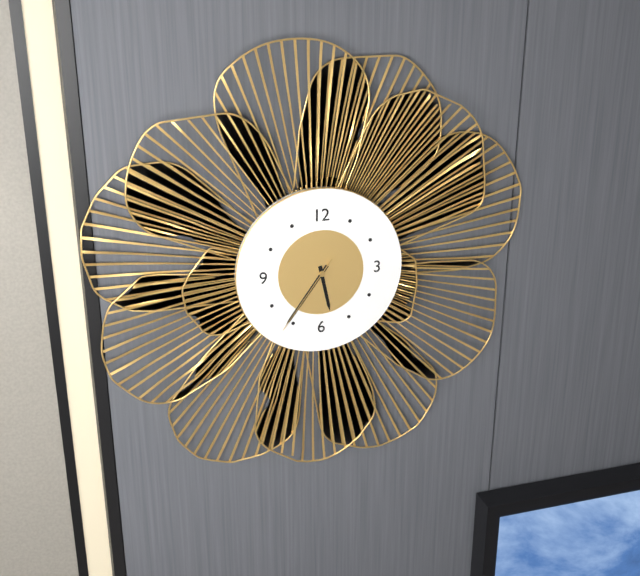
5:36:36
